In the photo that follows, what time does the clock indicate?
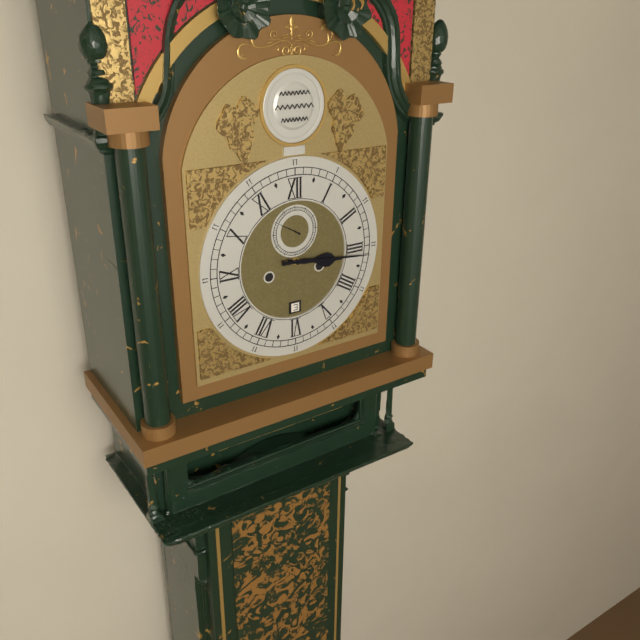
3:16
